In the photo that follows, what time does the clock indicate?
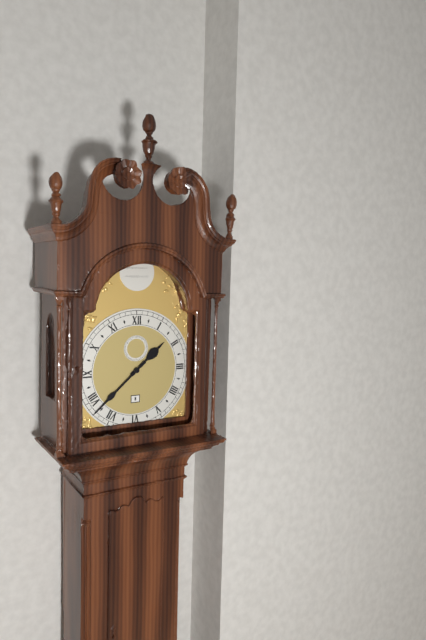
1:38
